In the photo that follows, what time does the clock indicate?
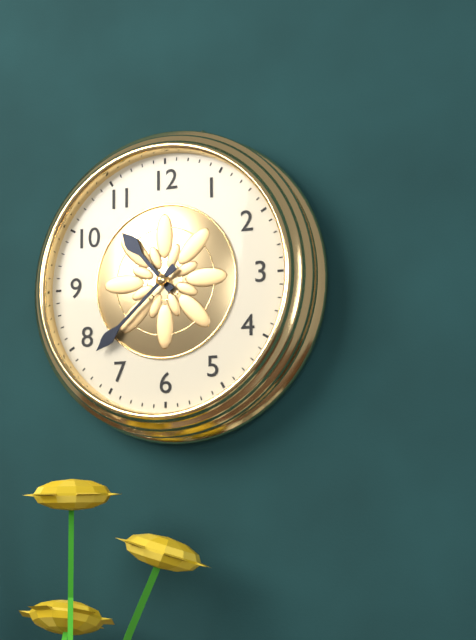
10:38
